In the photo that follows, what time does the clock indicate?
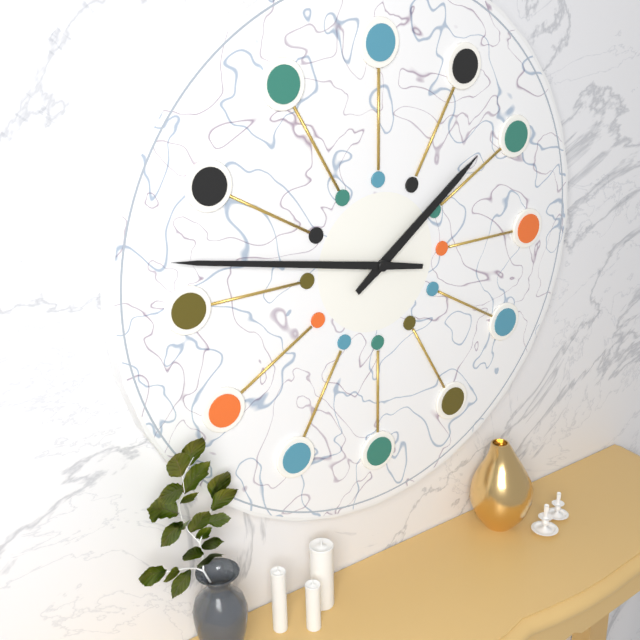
1:47
